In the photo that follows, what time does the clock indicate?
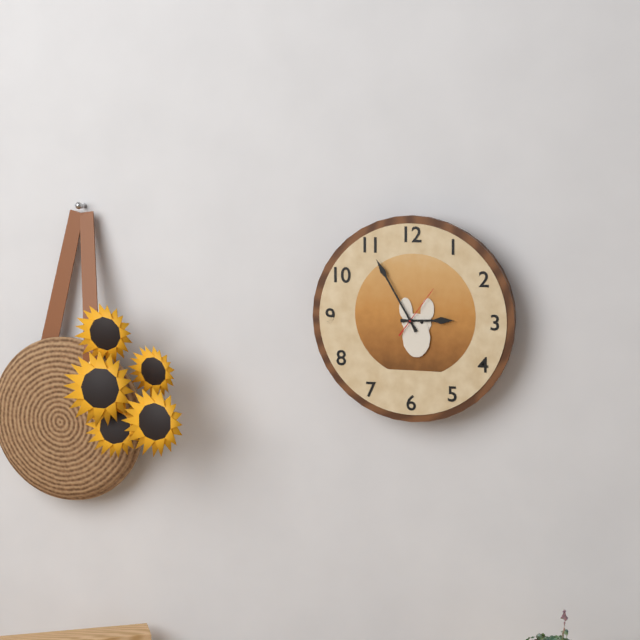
2:55:06
